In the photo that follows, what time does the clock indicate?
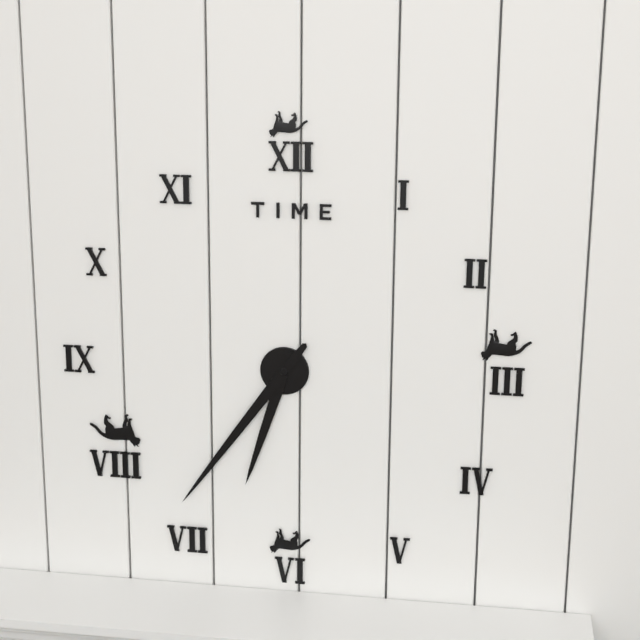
6:36
